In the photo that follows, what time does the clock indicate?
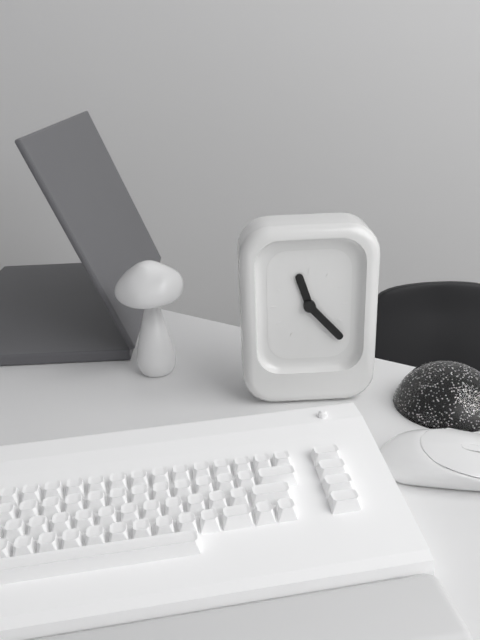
11:23
